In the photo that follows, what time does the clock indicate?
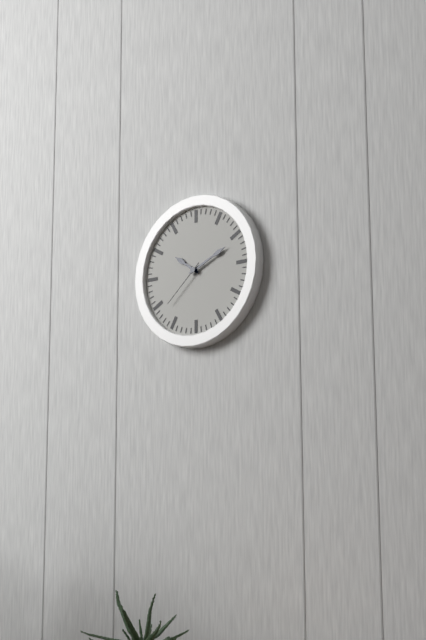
10:11:38
